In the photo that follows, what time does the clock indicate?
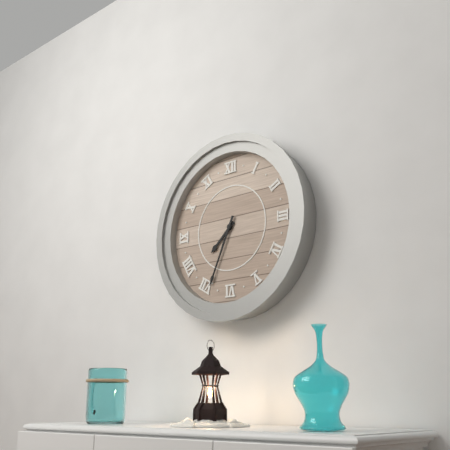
7:34
